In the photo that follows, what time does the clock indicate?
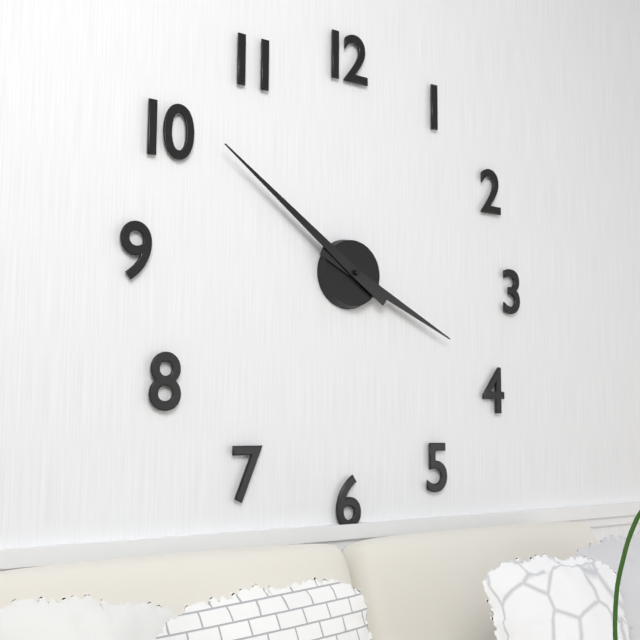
3:51
